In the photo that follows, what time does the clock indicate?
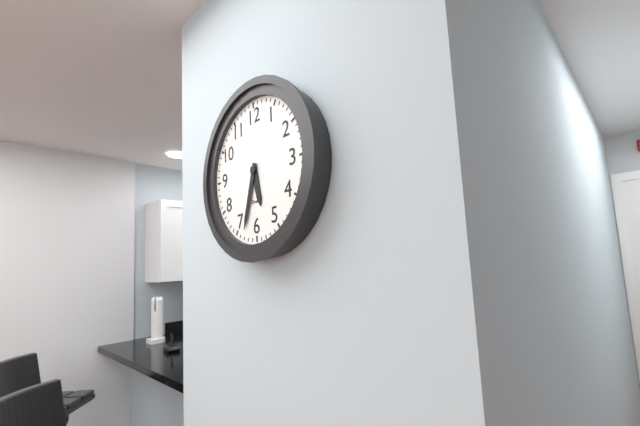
5:33
